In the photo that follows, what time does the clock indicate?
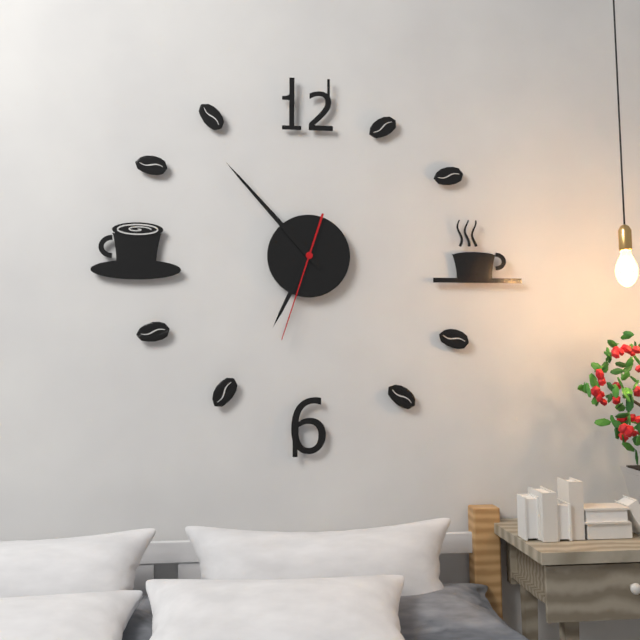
6:53:33
